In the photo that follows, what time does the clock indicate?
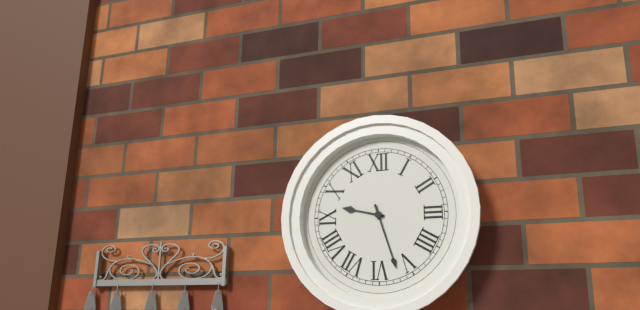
9:27
